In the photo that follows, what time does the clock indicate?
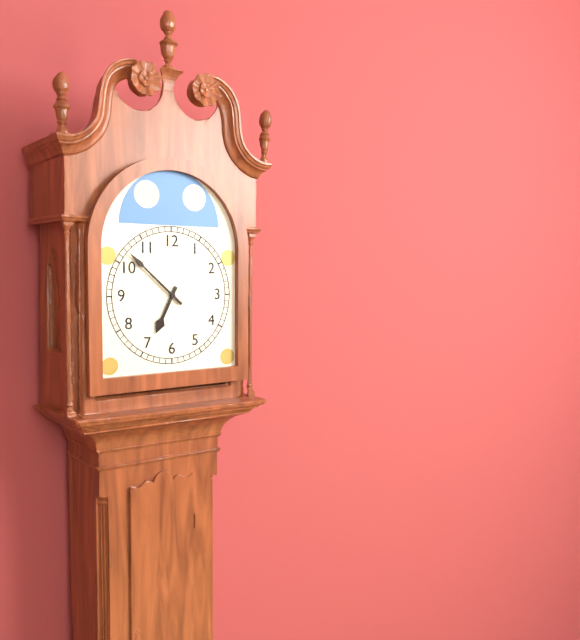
6:52
